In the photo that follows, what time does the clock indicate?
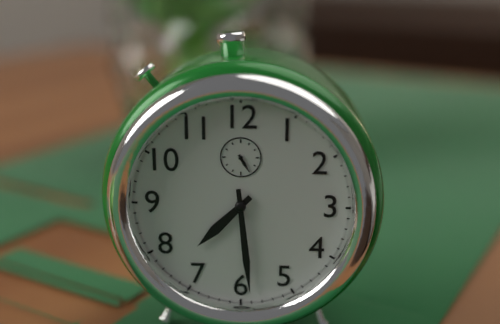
7:29
